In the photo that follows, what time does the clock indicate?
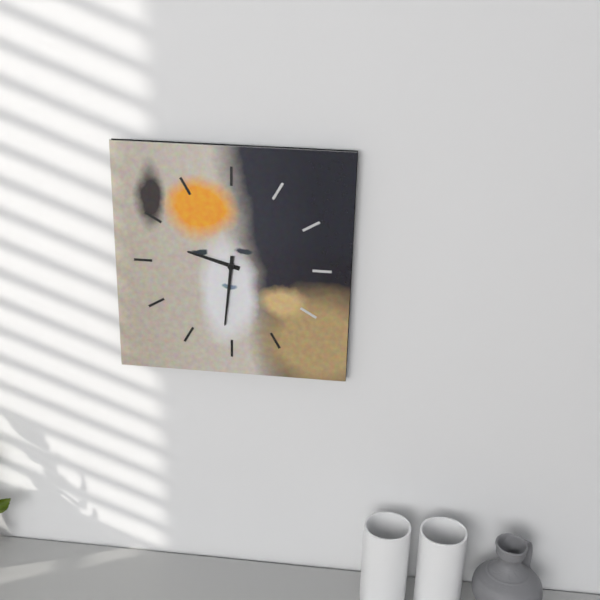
9:31
